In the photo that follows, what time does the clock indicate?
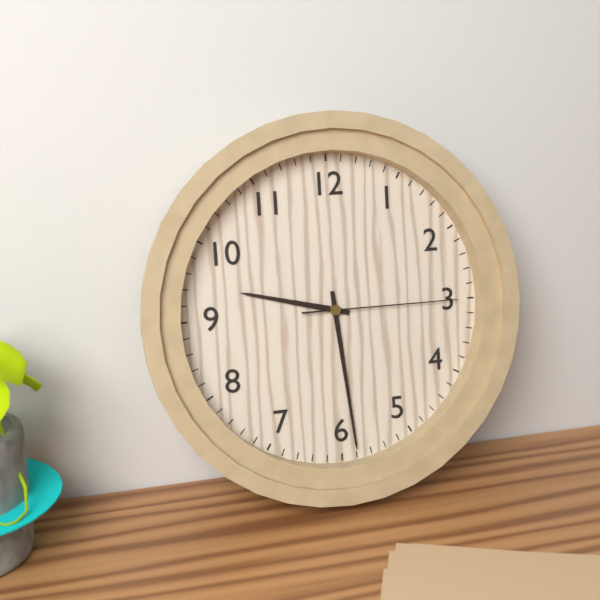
9:29:15
